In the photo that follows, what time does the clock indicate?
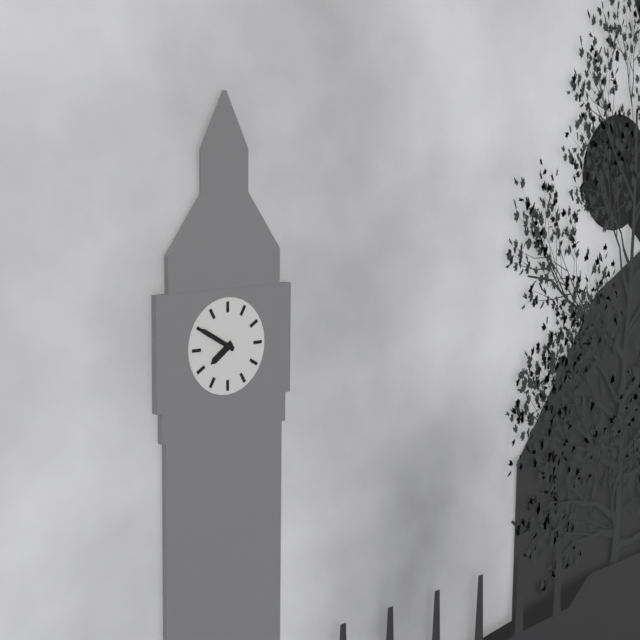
7:50
